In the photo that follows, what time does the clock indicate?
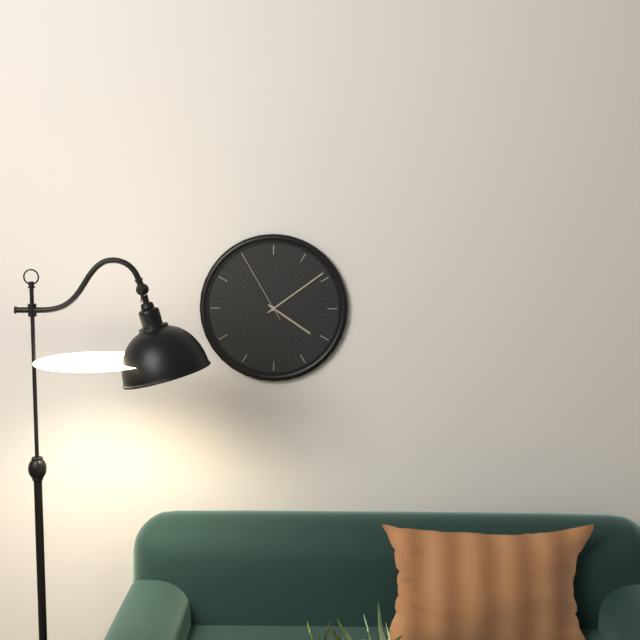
4:09:55
